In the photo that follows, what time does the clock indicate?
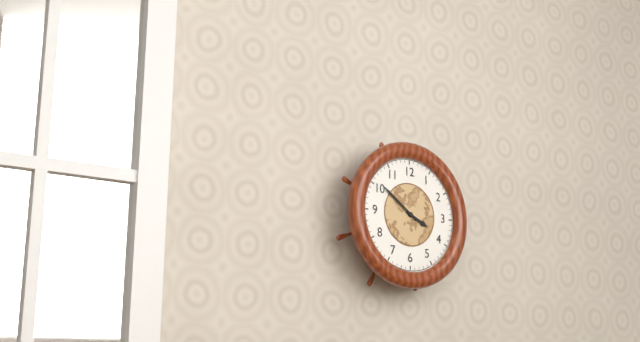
3:51
